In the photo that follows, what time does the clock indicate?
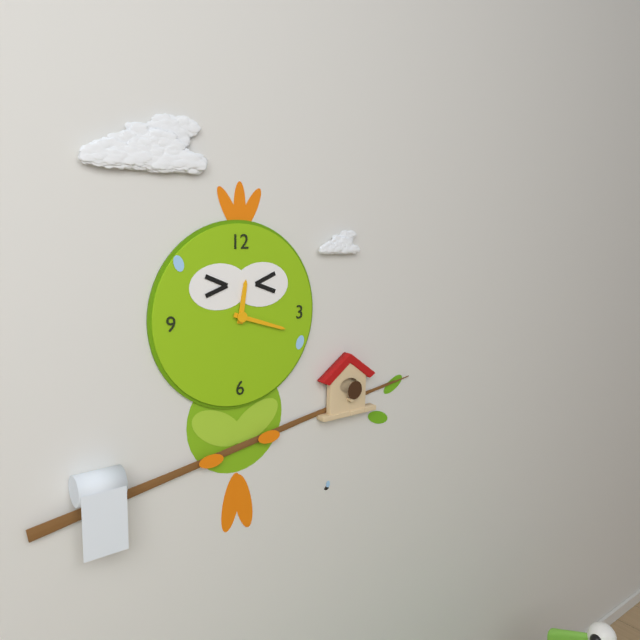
12:18
